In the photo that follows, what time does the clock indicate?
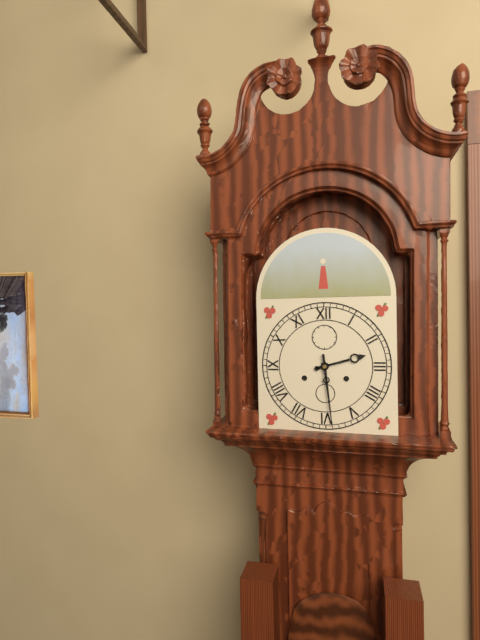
2:29
